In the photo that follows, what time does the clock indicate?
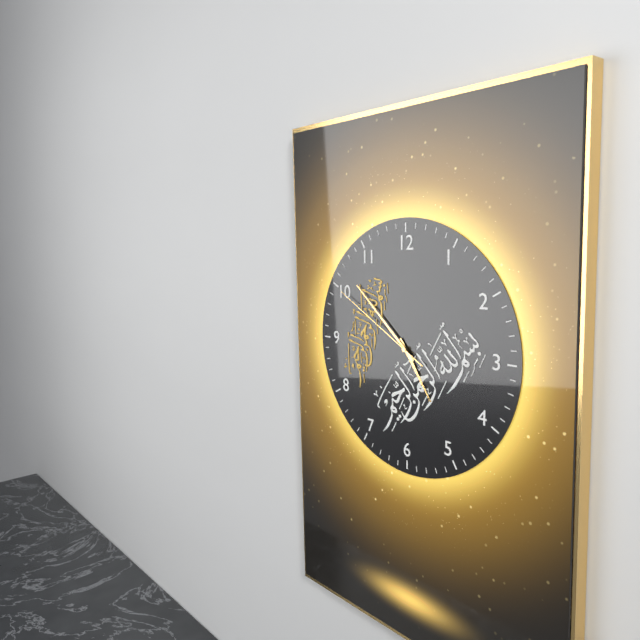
4:52:50
